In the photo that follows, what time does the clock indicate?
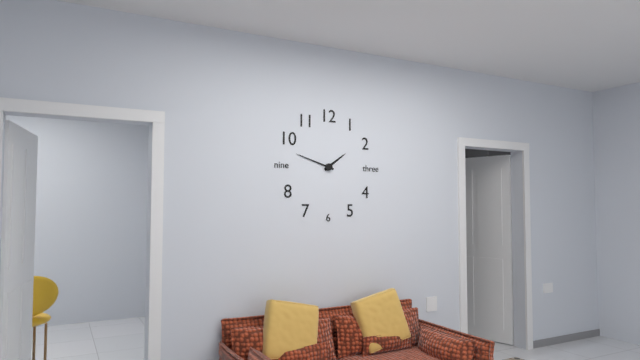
1:48
